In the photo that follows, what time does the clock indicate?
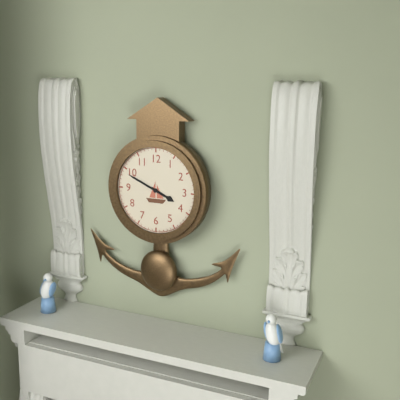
3:49
